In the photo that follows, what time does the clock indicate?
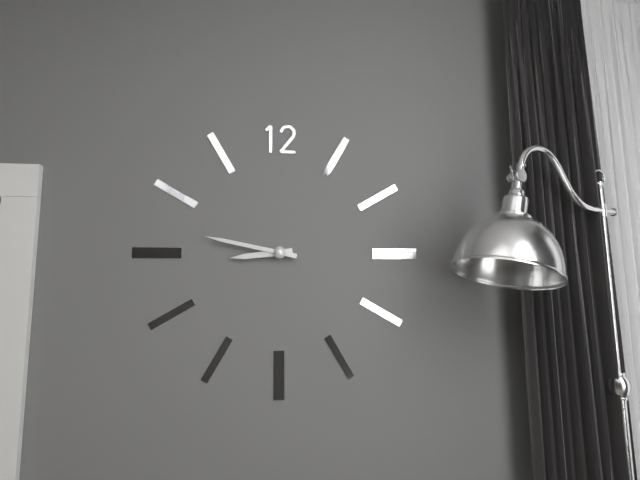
8:47
